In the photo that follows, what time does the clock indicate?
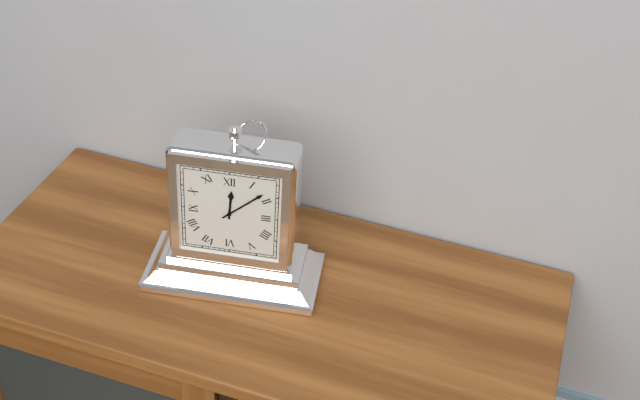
12:08
